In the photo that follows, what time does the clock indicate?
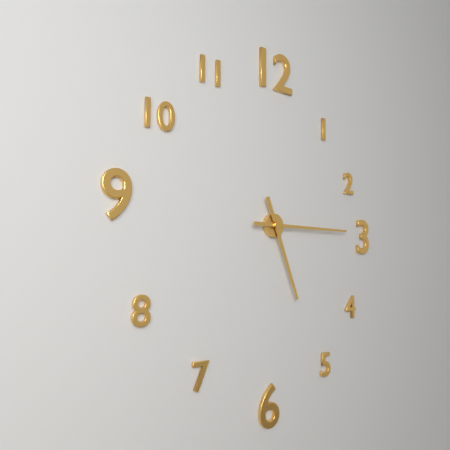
5:15
